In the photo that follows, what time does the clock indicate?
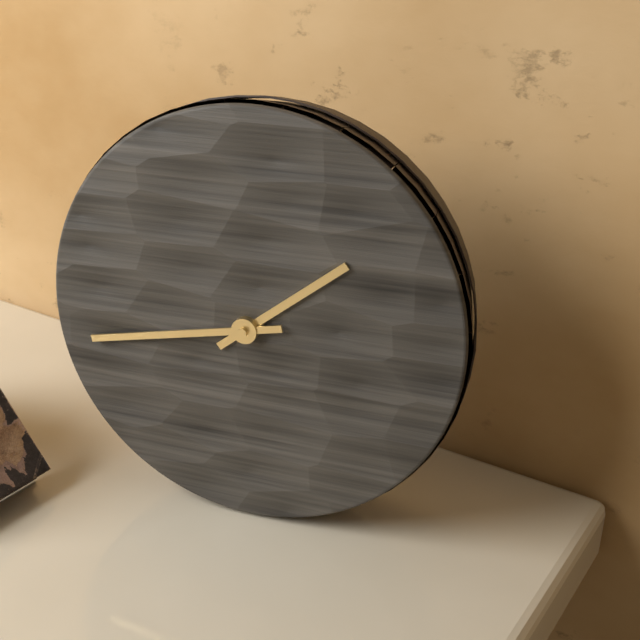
1:43
